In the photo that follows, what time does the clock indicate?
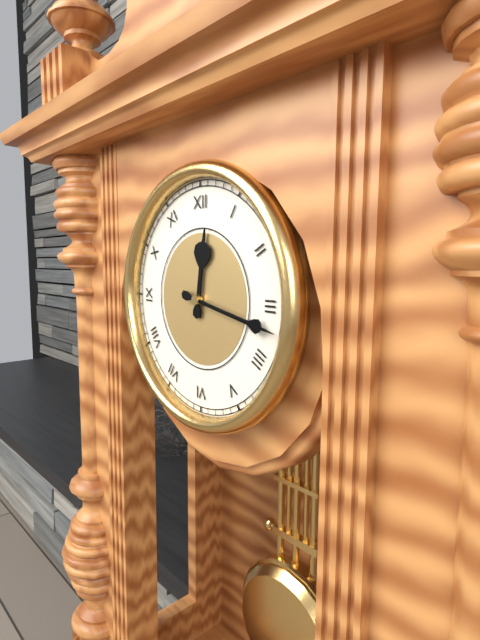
12:17
